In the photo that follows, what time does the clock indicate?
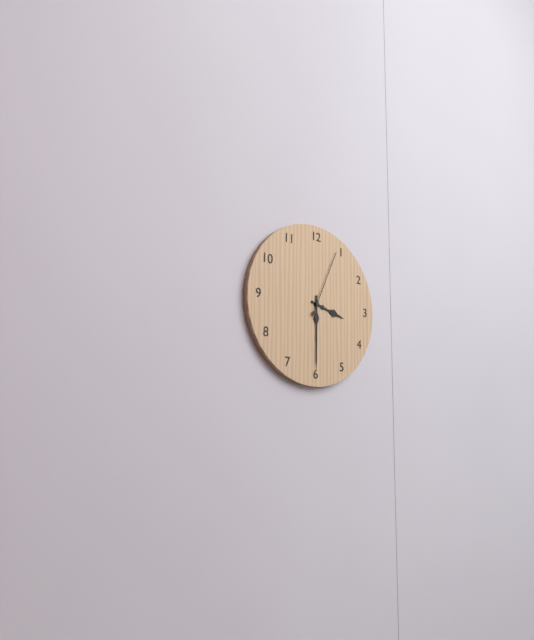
3:30:04
